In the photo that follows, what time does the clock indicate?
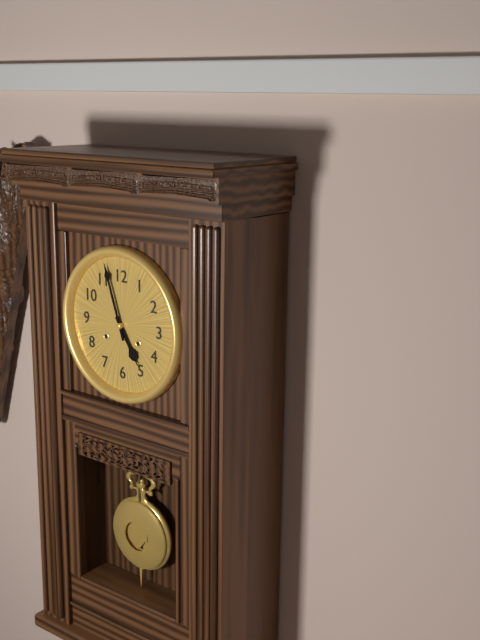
4:57
